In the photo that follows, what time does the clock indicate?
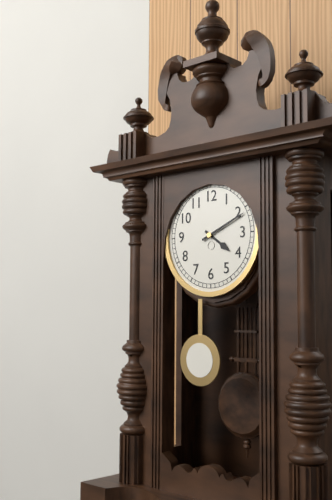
4:11
